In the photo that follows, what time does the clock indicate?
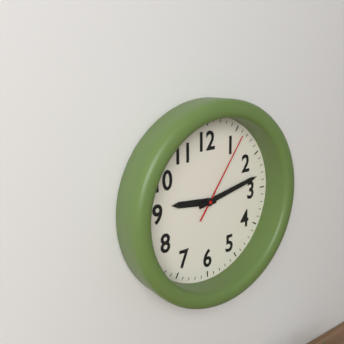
9:13:06
